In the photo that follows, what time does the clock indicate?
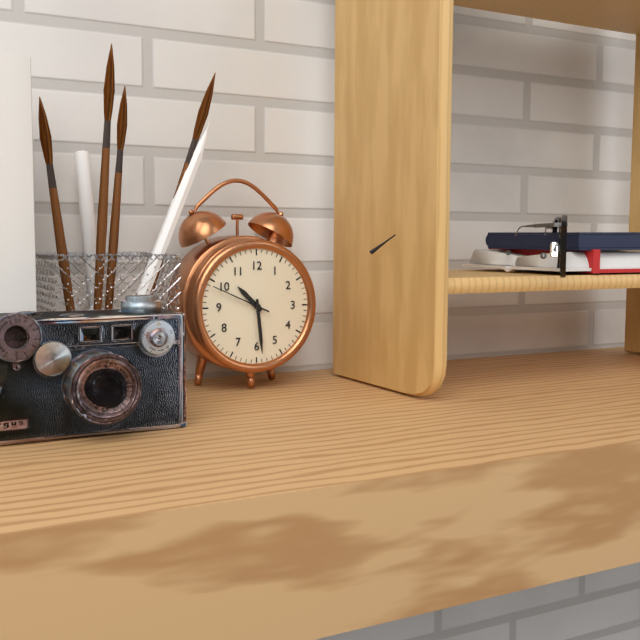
10:29:49
